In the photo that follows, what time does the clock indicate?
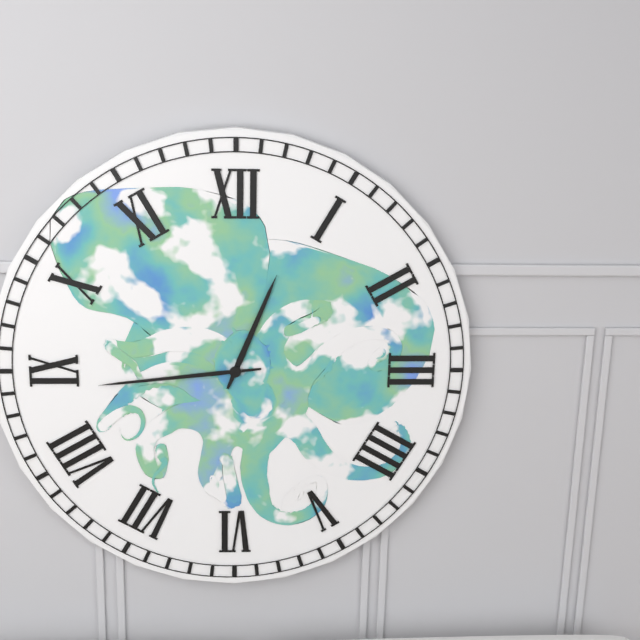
12:44
